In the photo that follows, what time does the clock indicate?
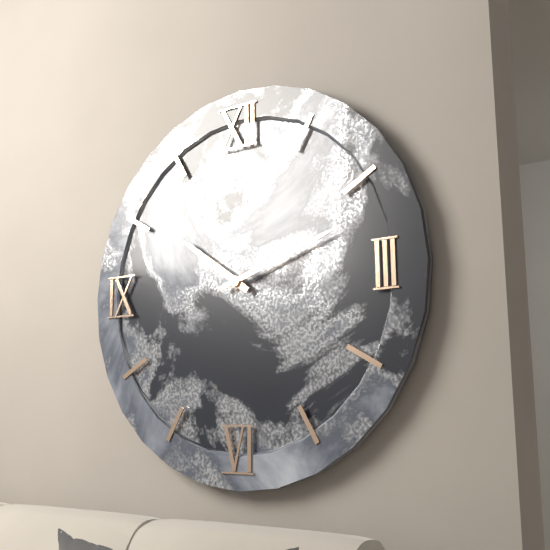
10:12
